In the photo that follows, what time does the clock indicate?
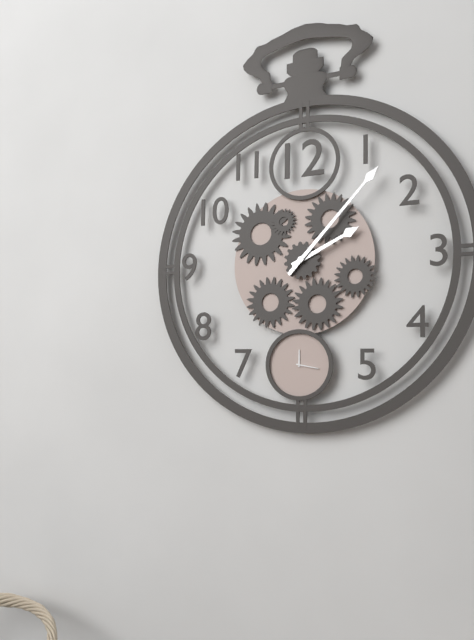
2:07
